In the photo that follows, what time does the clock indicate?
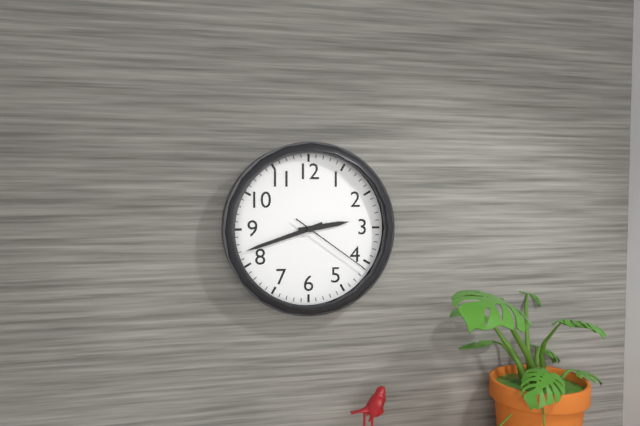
2:42:21
